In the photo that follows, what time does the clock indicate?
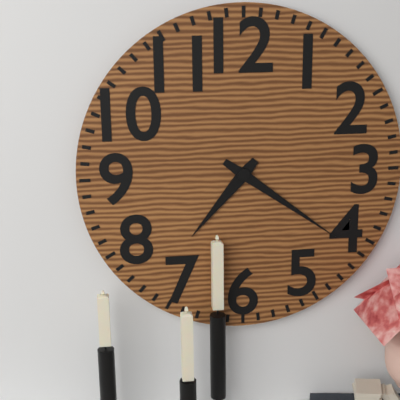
7:21
